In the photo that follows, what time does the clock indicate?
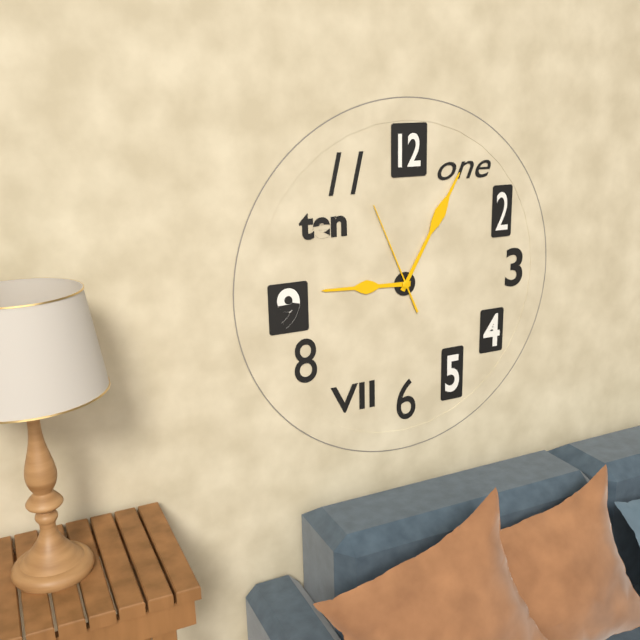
9:05:56
